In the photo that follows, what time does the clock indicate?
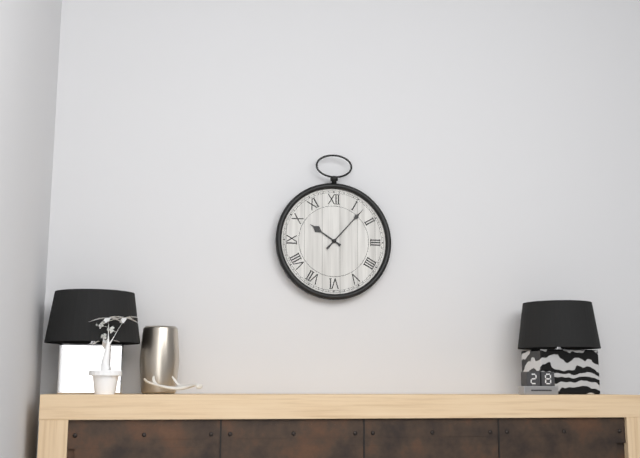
10:07
